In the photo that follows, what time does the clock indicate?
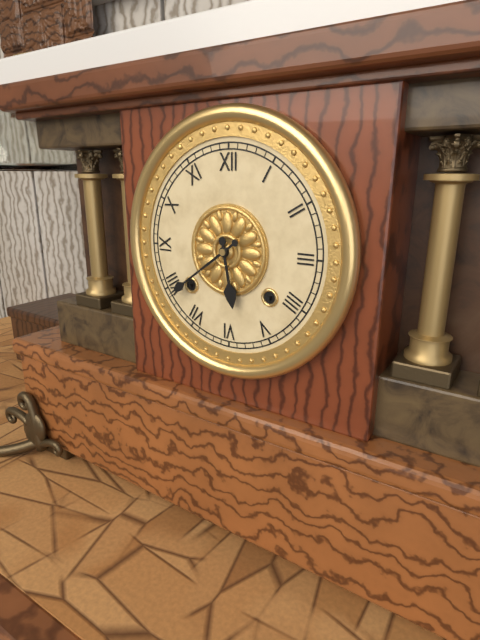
5:39
